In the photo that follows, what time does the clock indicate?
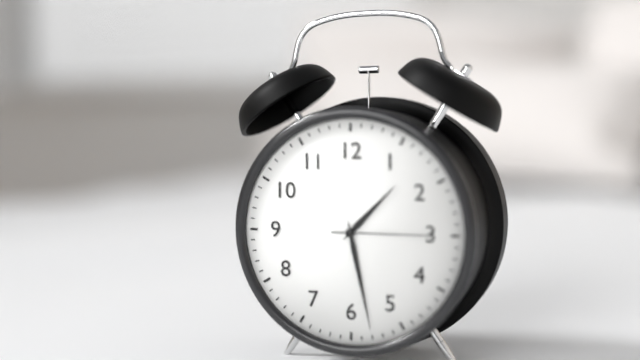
1:28:15
